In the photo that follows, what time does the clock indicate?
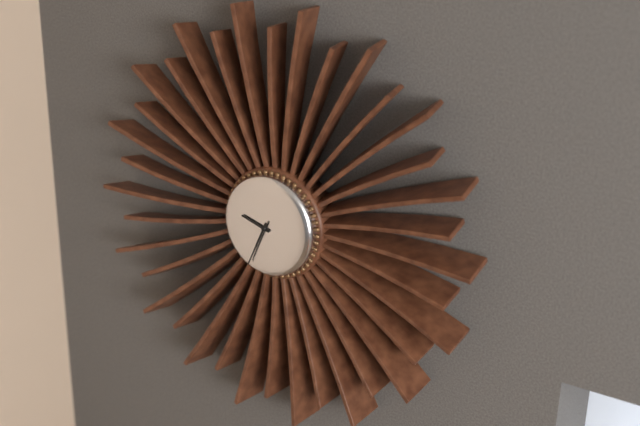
9:34
